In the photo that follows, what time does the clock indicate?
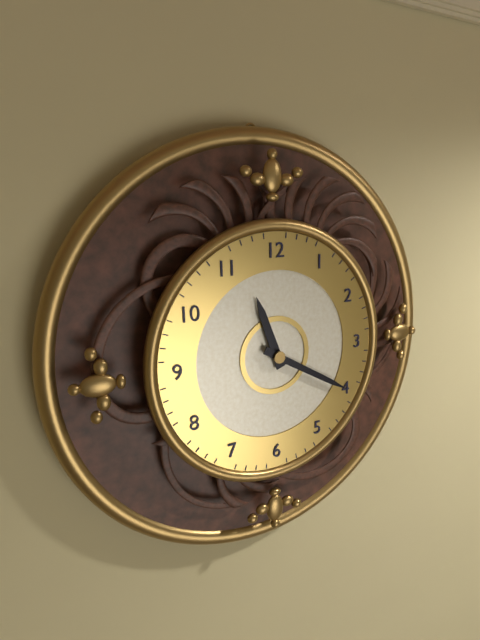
11:20
